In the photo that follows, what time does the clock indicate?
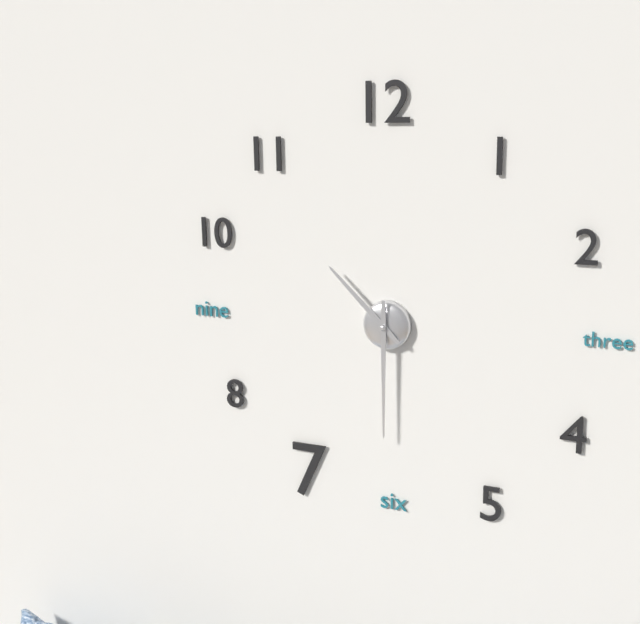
10:30
